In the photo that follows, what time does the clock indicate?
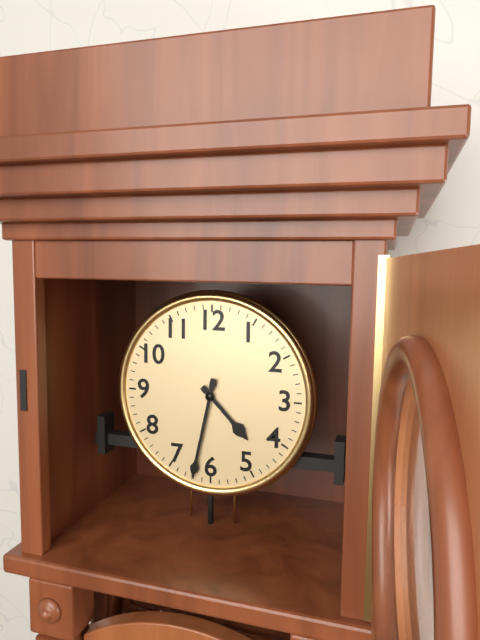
4:32
